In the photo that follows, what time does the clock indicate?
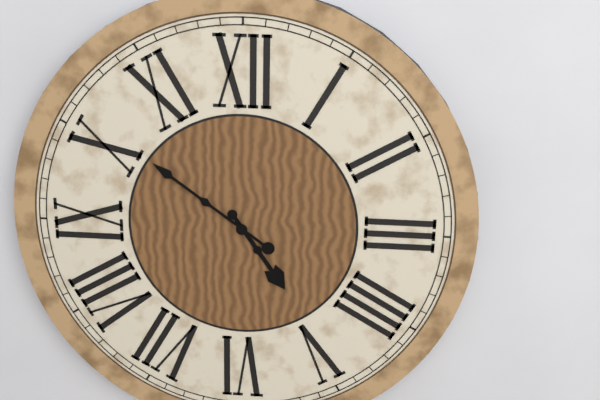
4:51
